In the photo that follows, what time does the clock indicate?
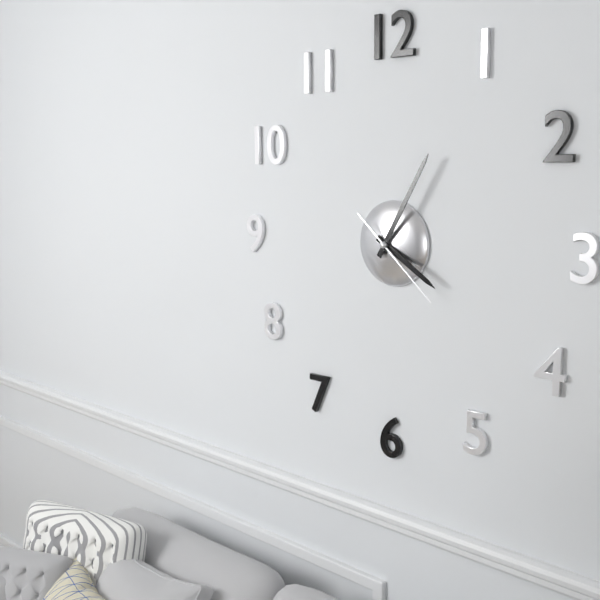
4:05:22
